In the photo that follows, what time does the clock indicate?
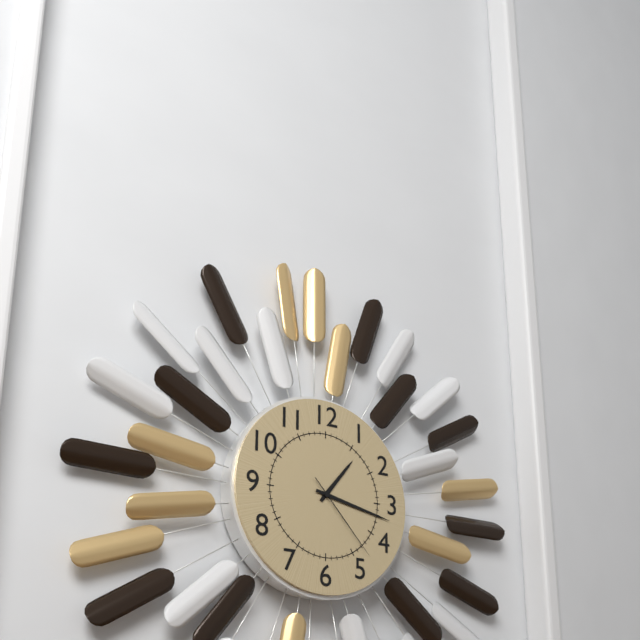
1:17:23
